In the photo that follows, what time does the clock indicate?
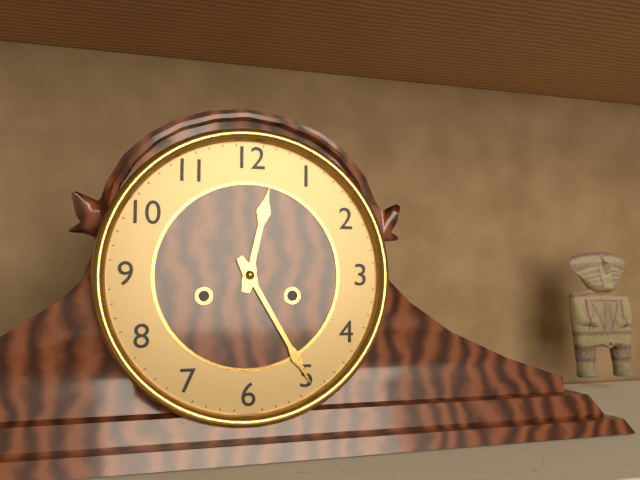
12:25
